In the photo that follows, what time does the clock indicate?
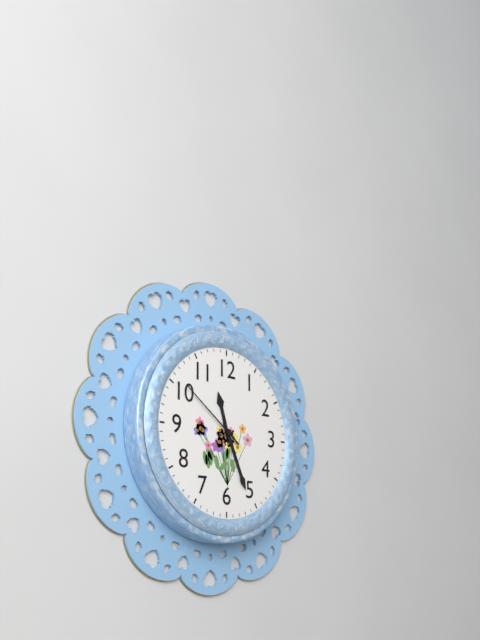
11:26:51
